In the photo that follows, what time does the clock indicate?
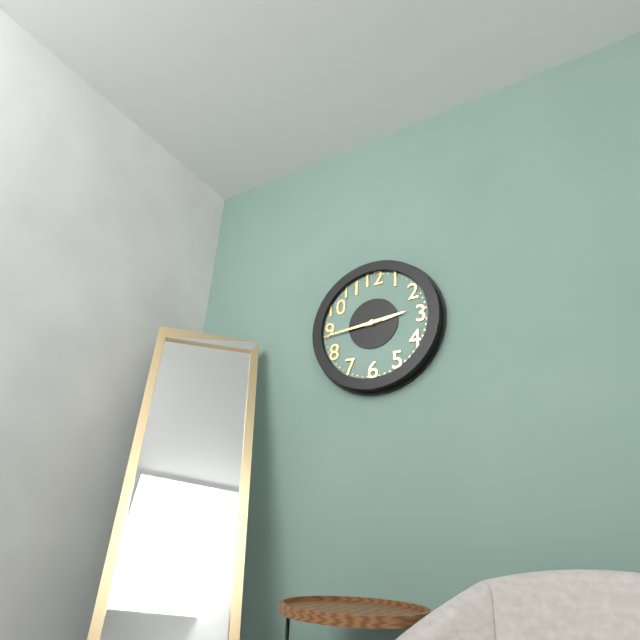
2:44
